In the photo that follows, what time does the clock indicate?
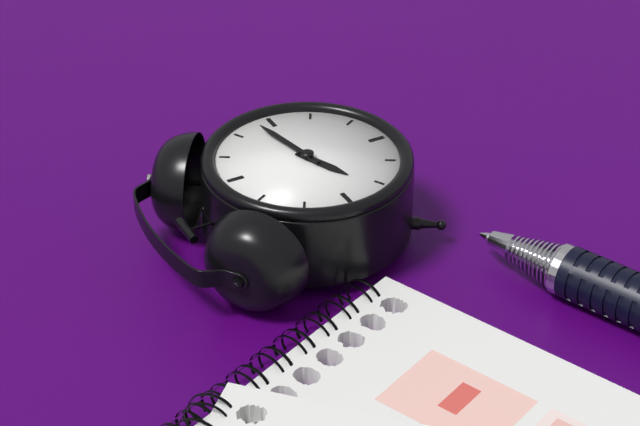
8:13
